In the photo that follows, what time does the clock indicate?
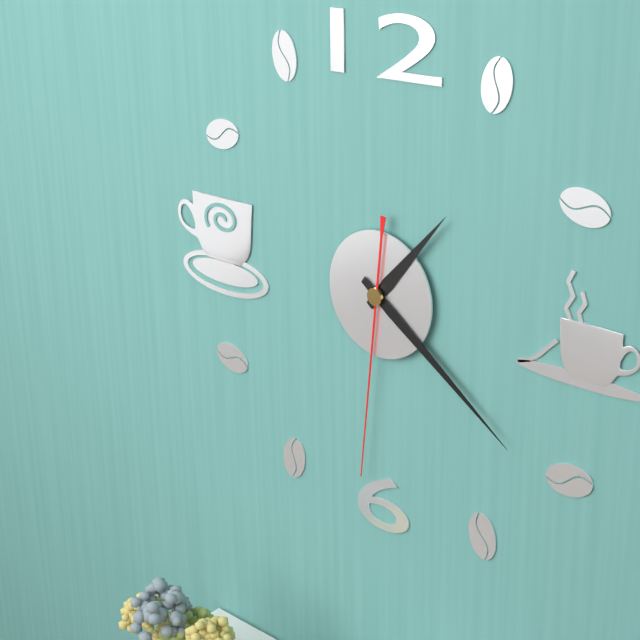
1:21:31
